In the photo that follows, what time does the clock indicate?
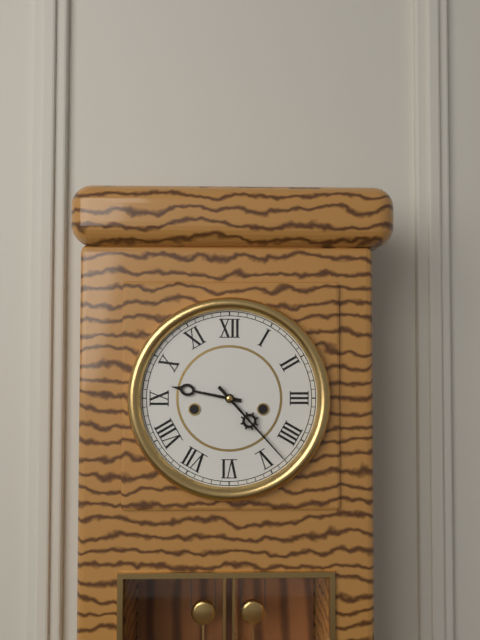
9:23
